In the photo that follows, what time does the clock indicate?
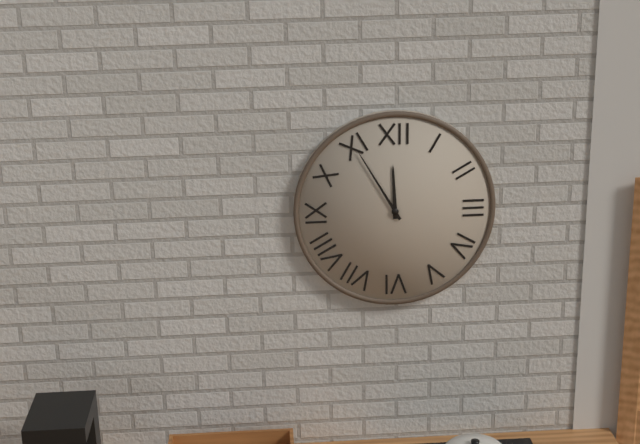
11:55
